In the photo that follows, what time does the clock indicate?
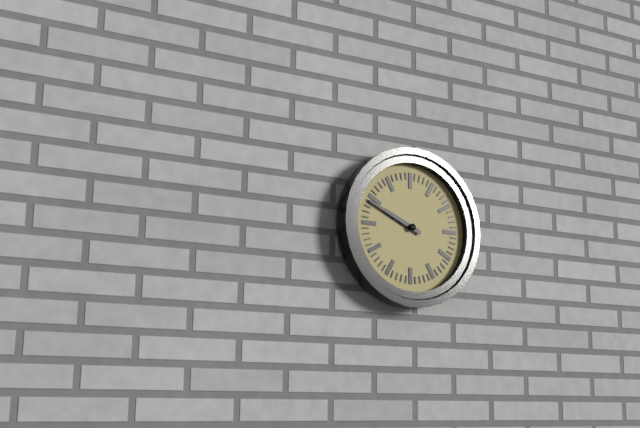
9:49
